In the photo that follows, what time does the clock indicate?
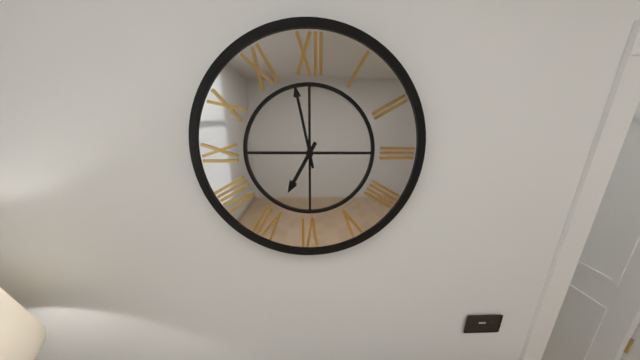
6:58
